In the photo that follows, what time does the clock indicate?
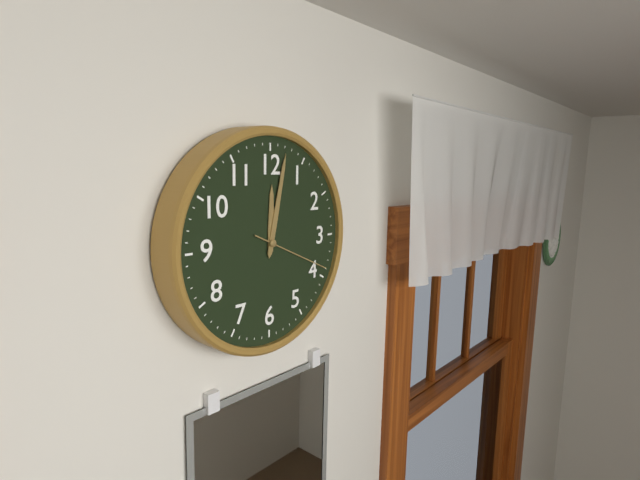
12:02:19
